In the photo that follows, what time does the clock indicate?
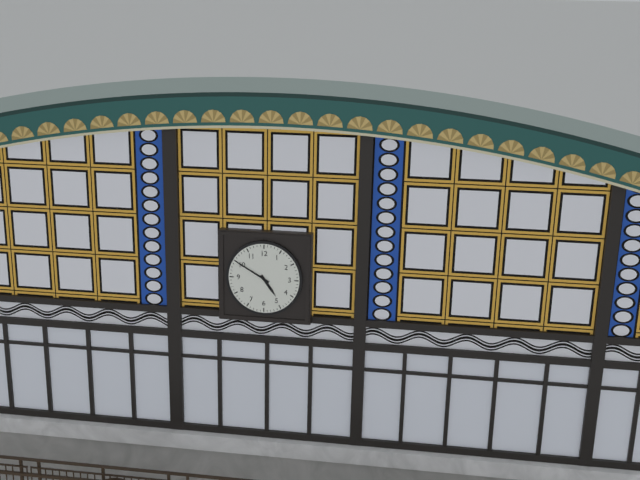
4:50
